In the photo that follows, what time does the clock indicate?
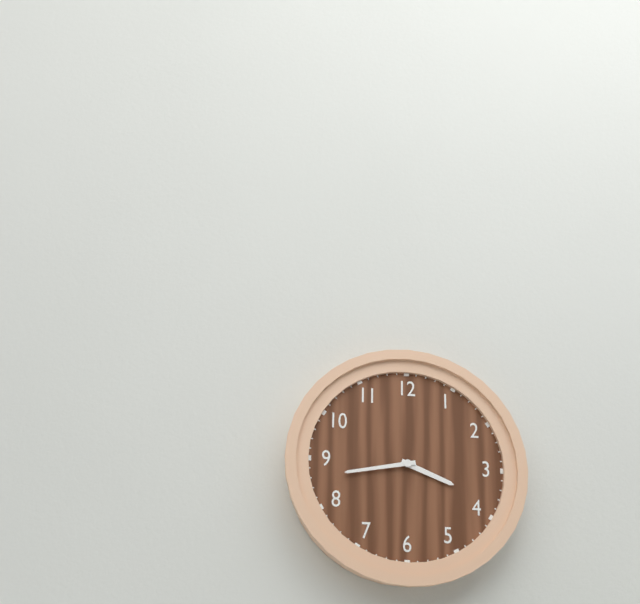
3:43
